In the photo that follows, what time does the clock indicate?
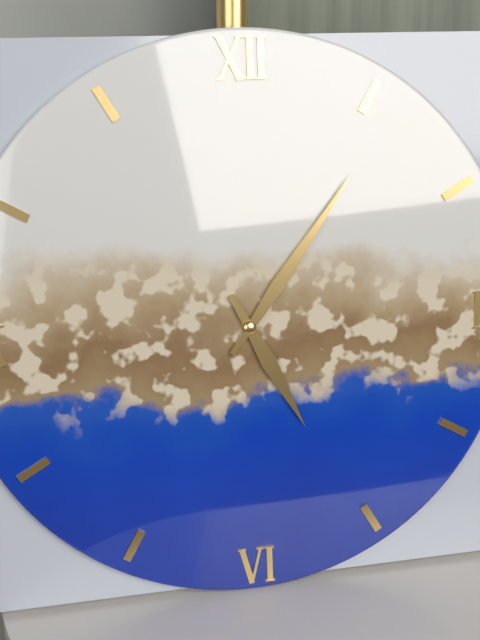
5:06
